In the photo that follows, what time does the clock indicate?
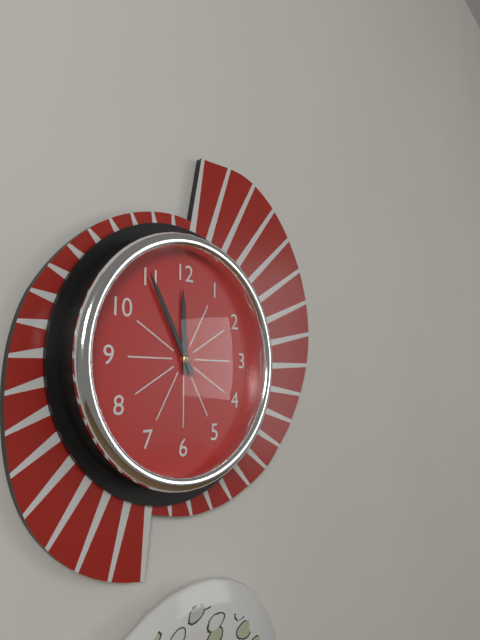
11:55
